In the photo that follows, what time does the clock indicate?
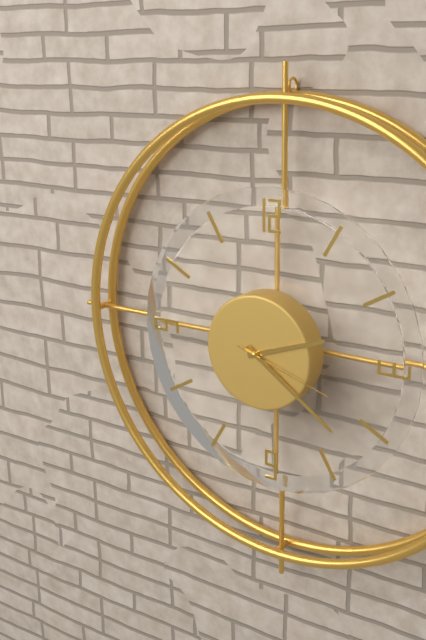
2:21:18
